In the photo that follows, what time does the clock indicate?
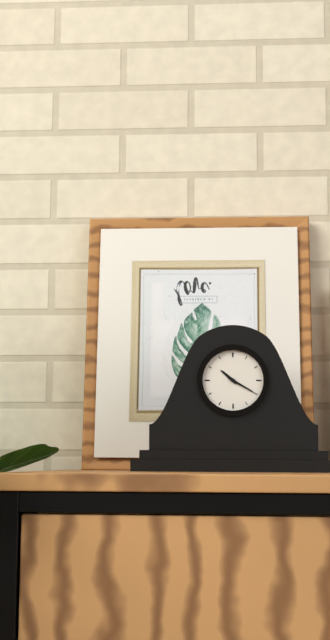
10:20
